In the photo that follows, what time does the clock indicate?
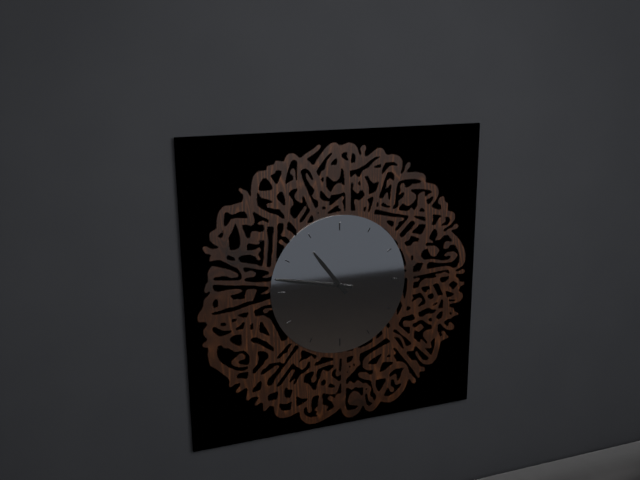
10:47
